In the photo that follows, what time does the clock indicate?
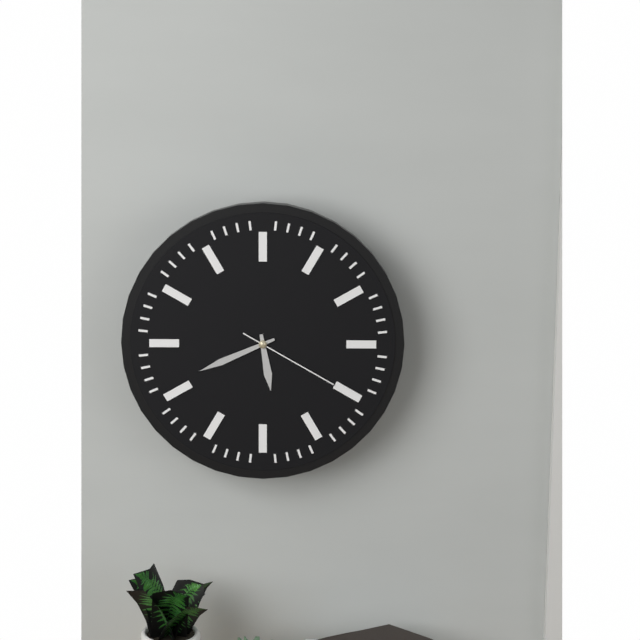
5:41:20
